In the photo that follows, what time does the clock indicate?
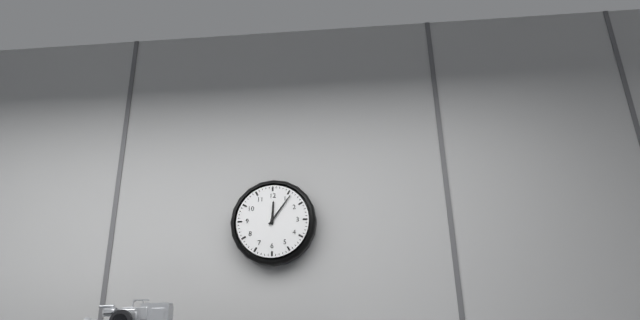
12:06
